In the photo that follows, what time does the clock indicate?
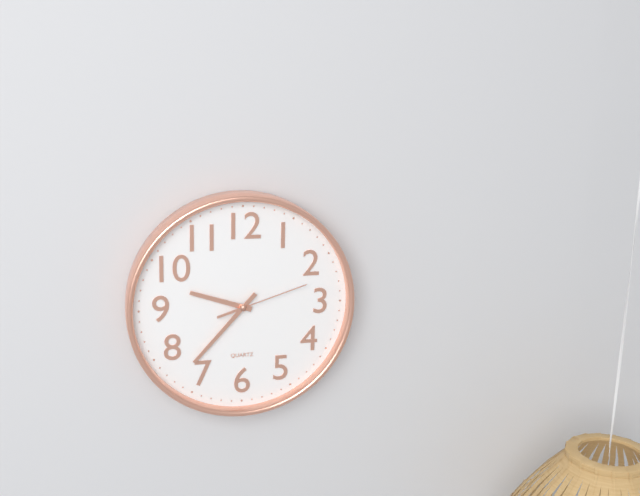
9:37:12
